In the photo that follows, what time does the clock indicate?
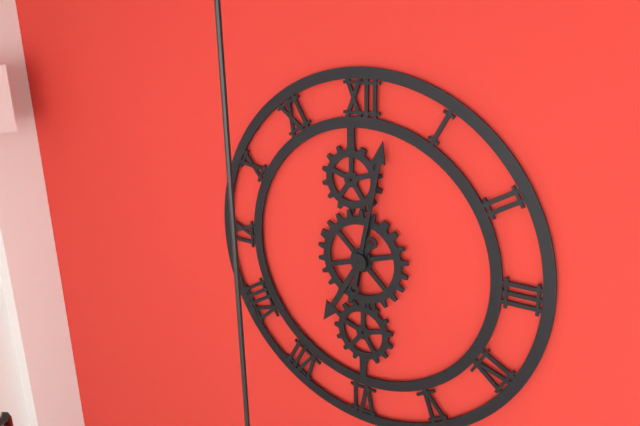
7:02
